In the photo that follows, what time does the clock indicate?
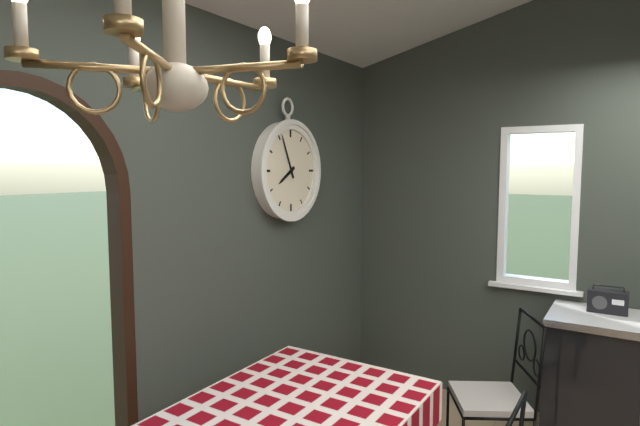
7:56
